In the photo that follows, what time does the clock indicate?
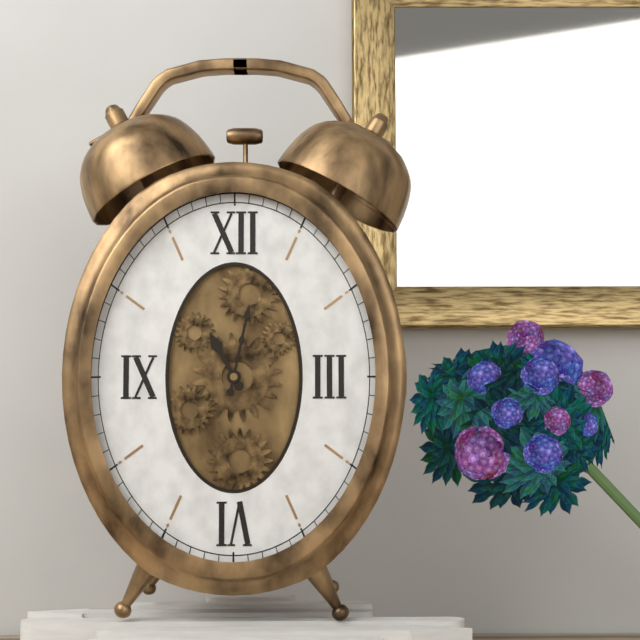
11:02
